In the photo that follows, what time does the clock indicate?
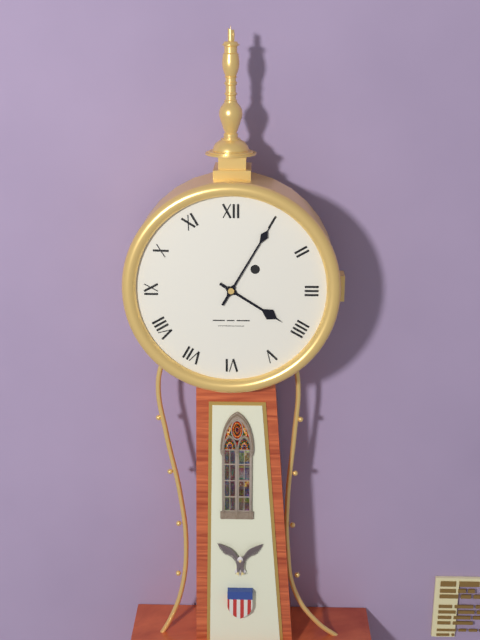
4:05
